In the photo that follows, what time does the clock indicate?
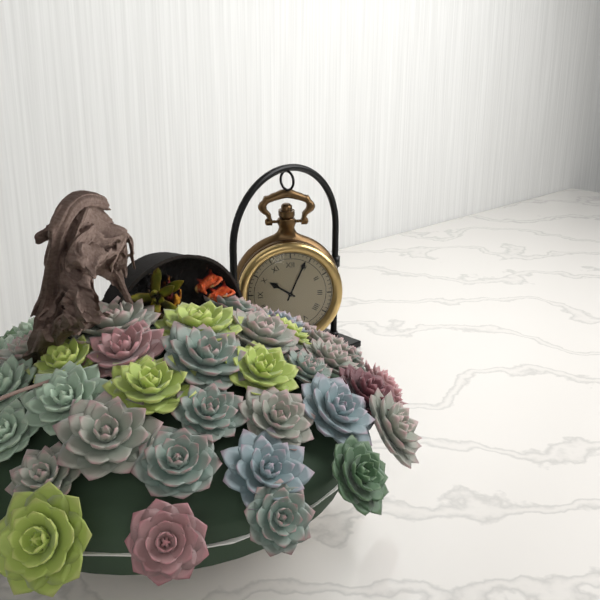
10:04
